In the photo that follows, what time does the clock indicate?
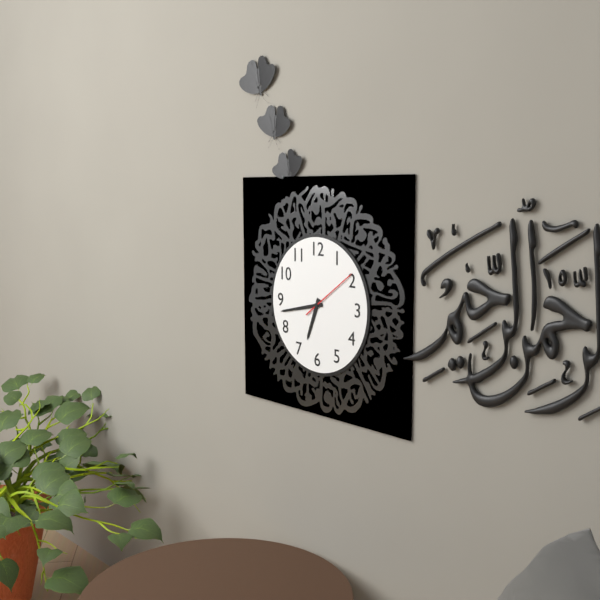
6:43:09
